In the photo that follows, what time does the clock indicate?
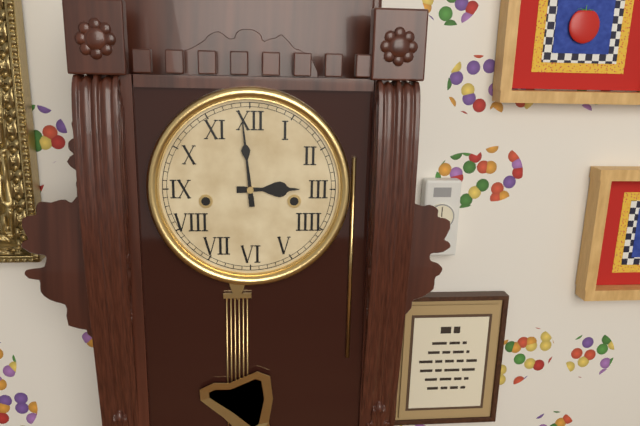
2:59
